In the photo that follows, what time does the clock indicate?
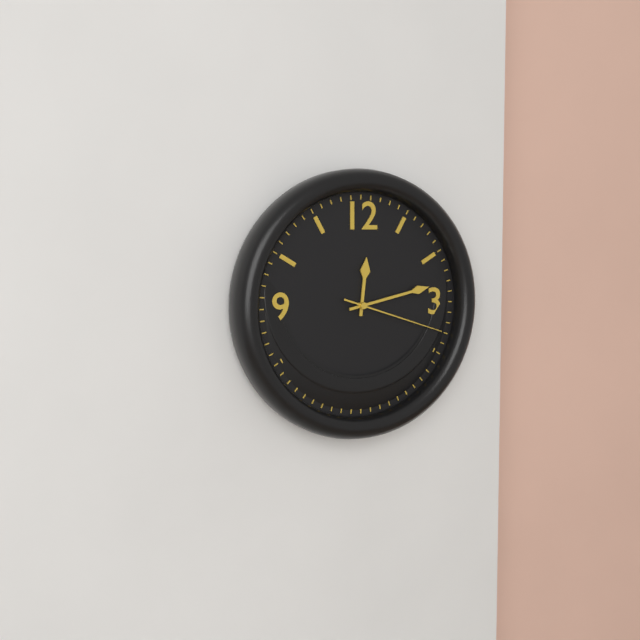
12:13:18
